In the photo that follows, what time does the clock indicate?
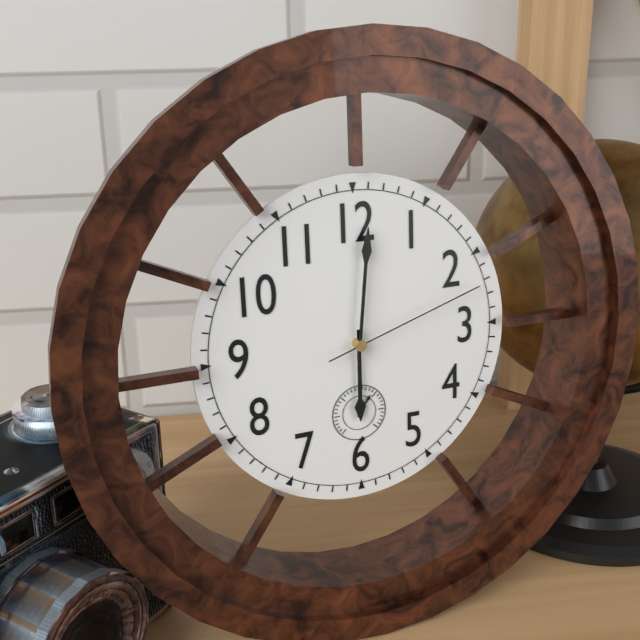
6:01:12
